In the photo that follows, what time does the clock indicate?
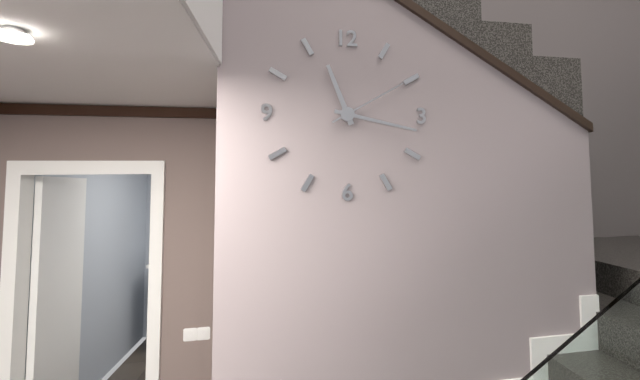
11:17:10
